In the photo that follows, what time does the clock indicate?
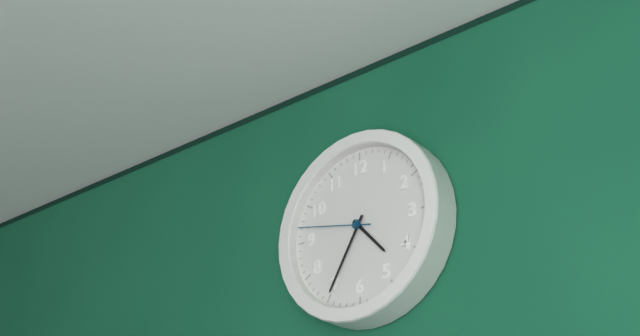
4:35:47
